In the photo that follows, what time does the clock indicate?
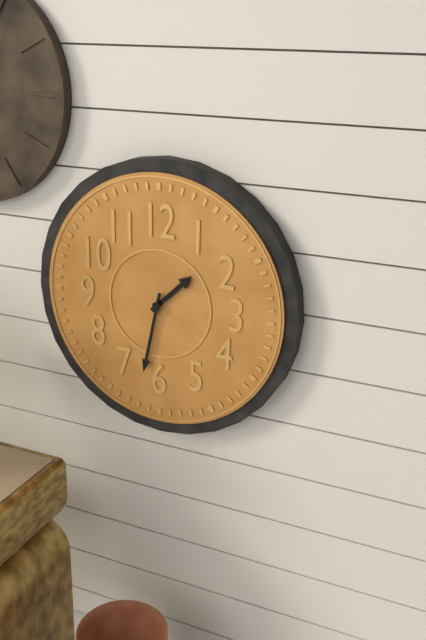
1:32
